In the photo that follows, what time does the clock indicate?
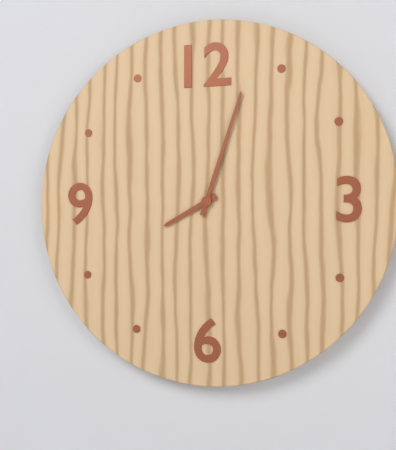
8:03
